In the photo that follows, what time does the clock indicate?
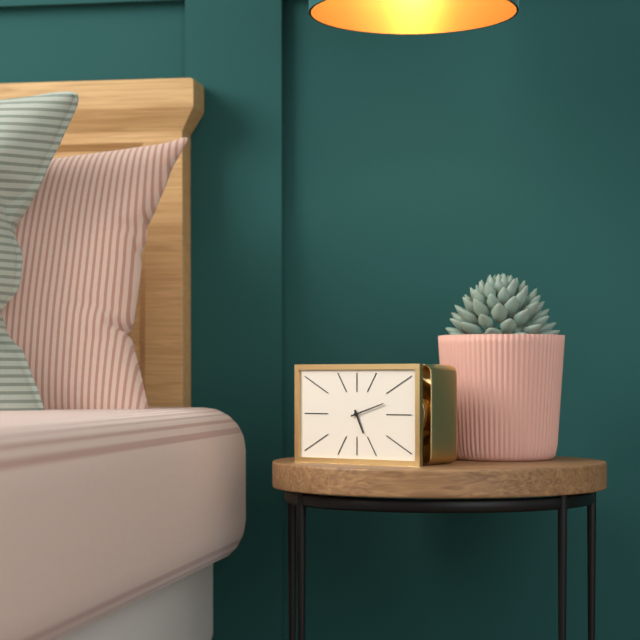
5:12
